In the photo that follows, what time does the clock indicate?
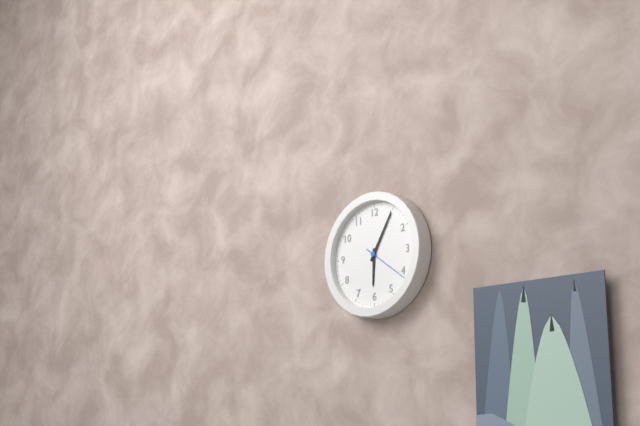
6:05
